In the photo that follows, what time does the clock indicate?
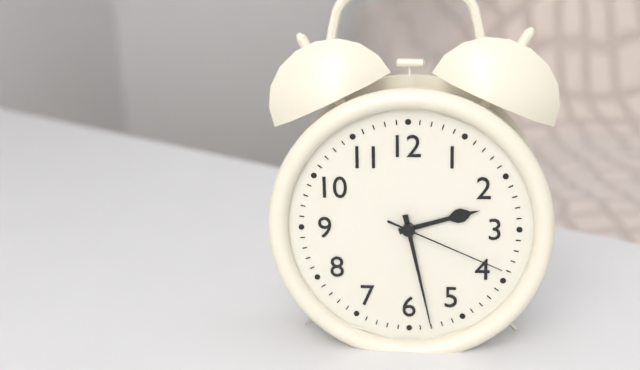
2:28:19
